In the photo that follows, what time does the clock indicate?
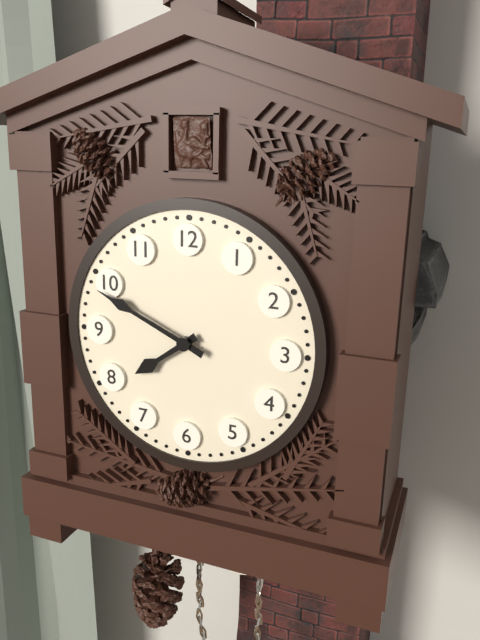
7:49
